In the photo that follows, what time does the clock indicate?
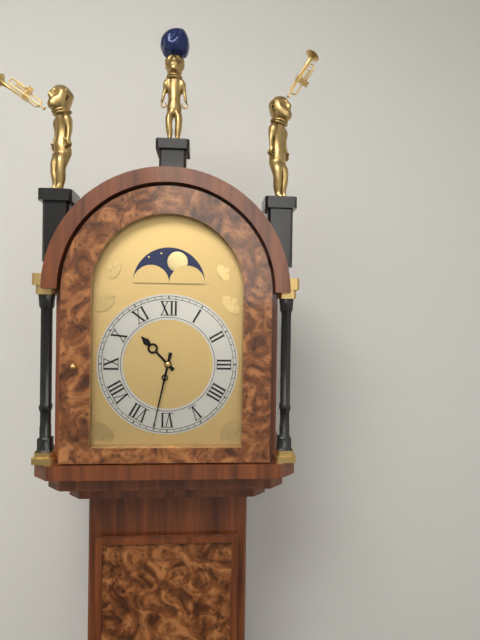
10:32
